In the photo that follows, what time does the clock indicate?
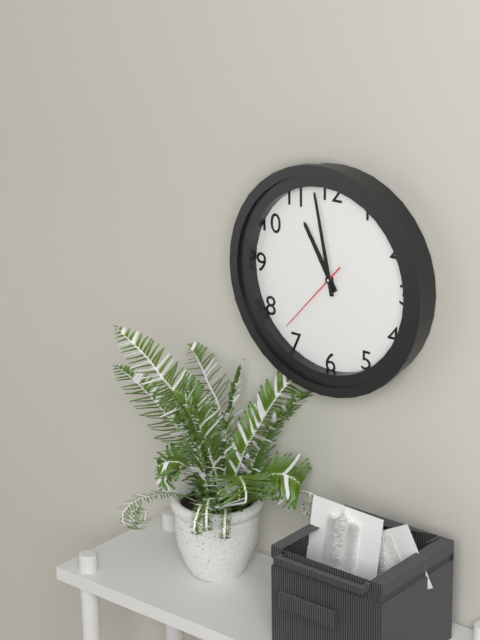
10:58:37
